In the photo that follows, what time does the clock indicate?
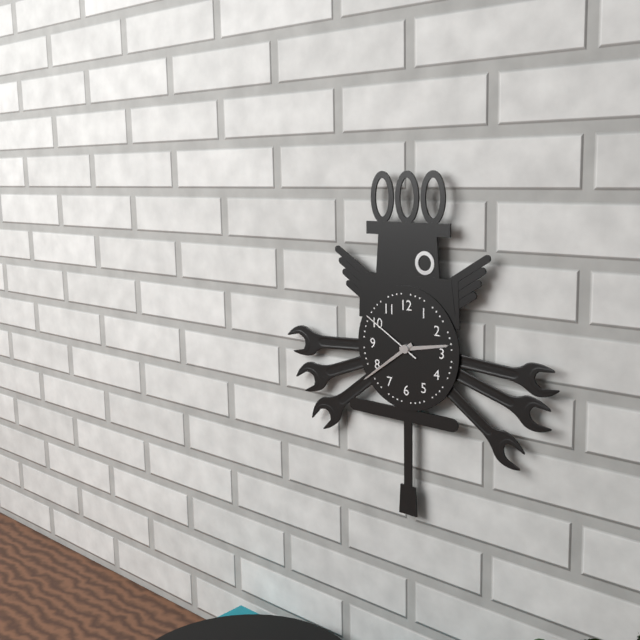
2:39:50
